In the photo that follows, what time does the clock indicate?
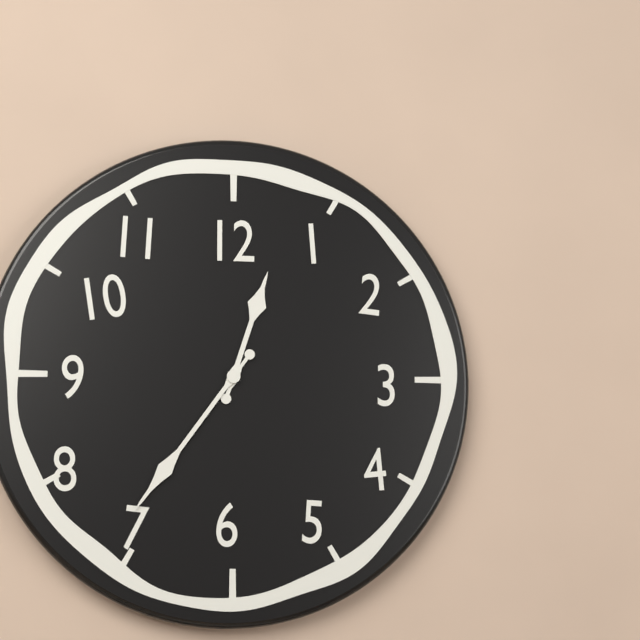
12:36
